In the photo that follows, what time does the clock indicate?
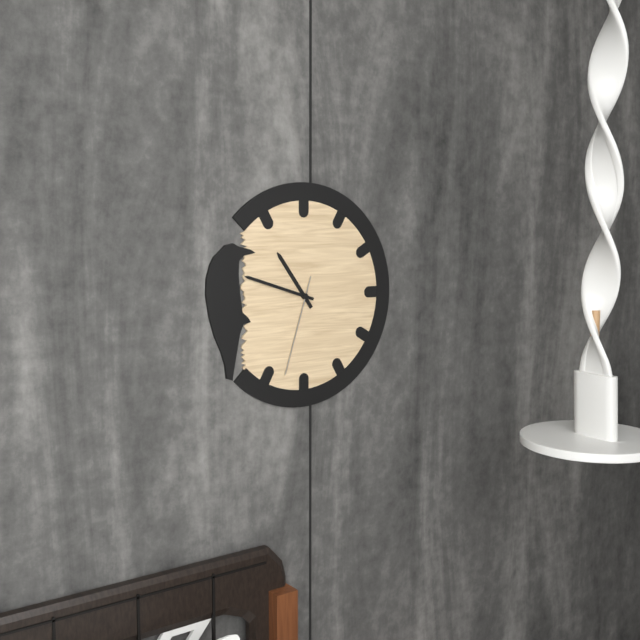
10:48:33
